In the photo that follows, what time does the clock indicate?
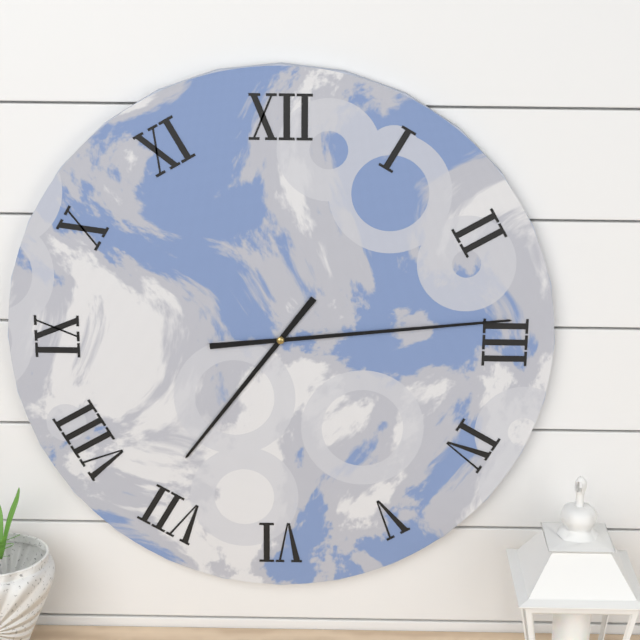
7:14
